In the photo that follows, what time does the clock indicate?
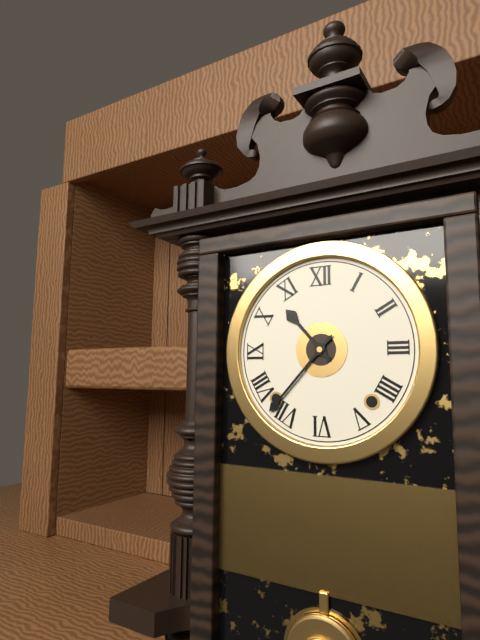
10:37
